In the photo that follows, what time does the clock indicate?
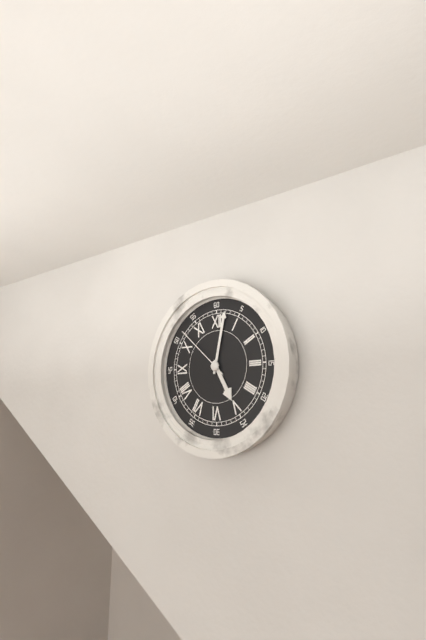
5:02:52
